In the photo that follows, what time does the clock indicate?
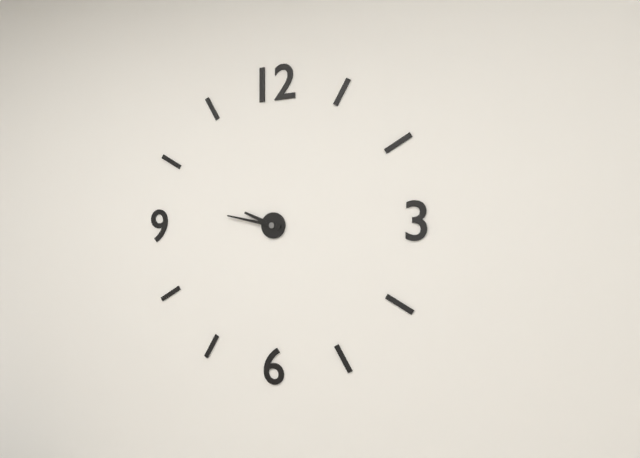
9:47
